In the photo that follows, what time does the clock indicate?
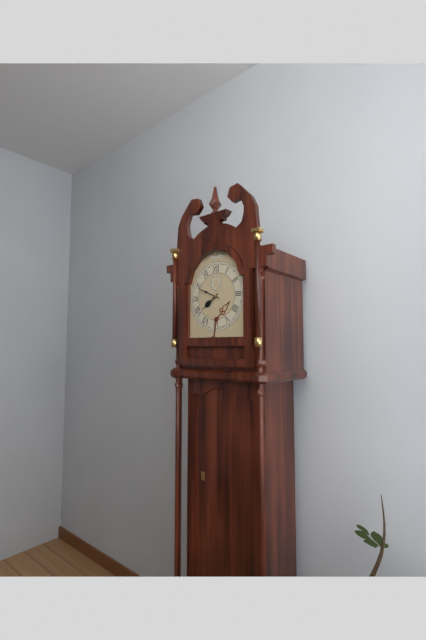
7:49
